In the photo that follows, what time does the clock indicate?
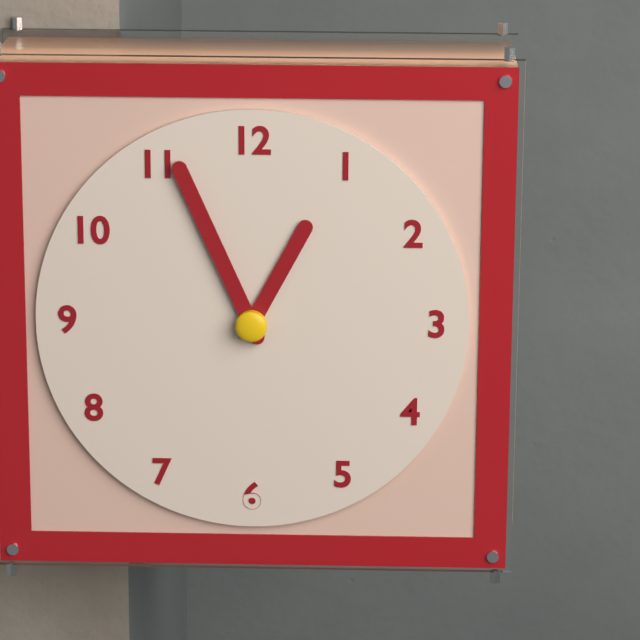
12:56
